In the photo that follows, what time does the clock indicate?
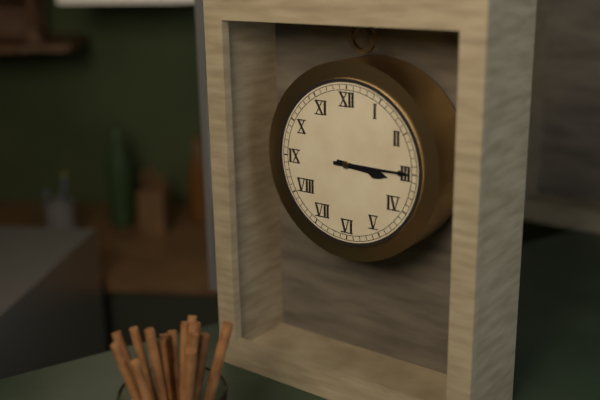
3:15
